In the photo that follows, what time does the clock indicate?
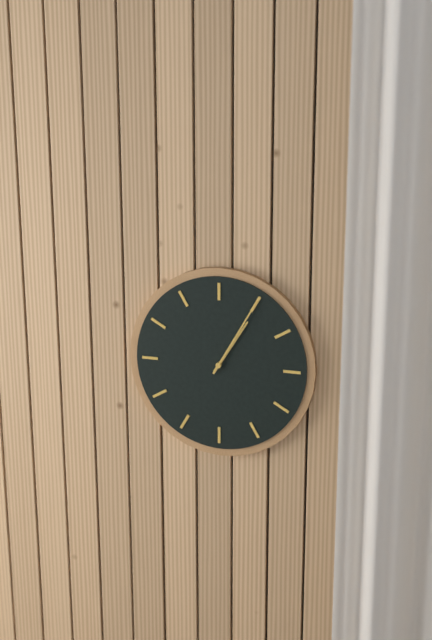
1:05
